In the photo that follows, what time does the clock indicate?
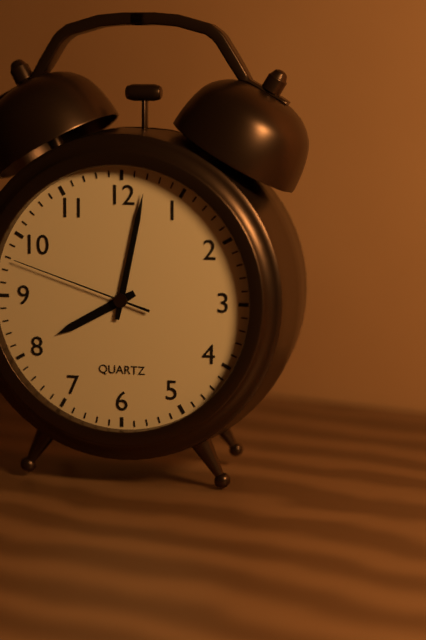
8:02:48
